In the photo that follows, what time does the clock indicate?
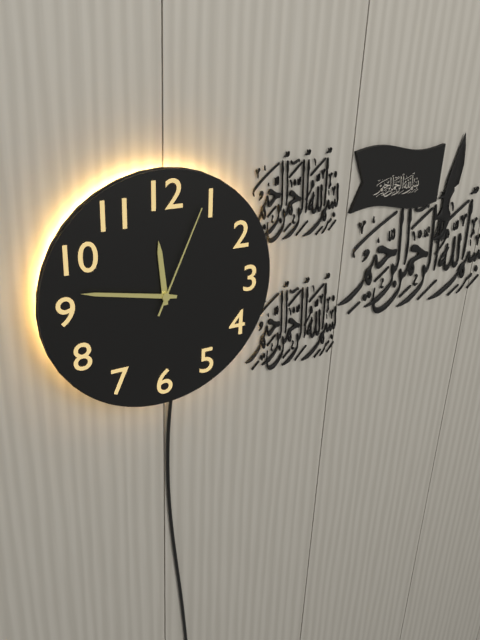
11:47:04
